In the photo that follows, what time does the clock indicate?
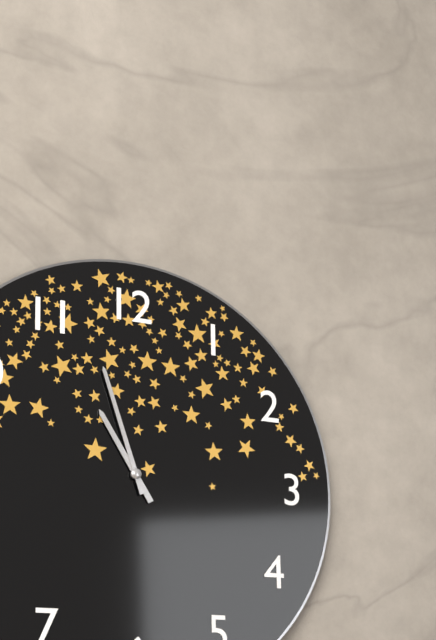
10:57
